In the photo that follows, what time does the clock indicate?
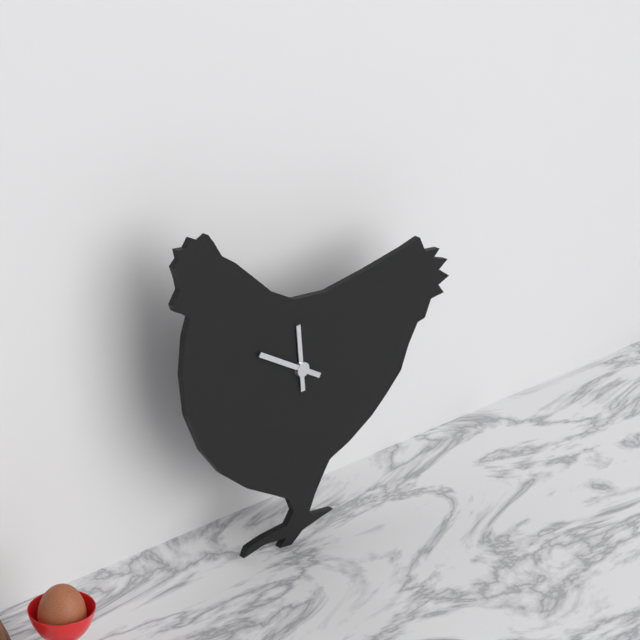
11:50
